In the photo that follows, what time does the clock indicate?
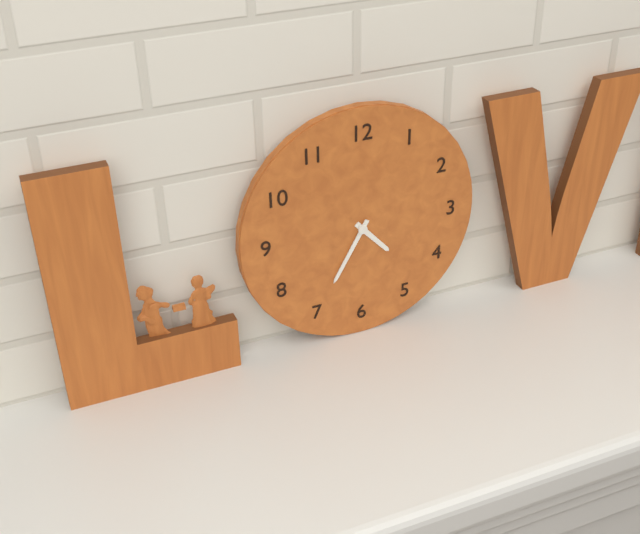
4:35
